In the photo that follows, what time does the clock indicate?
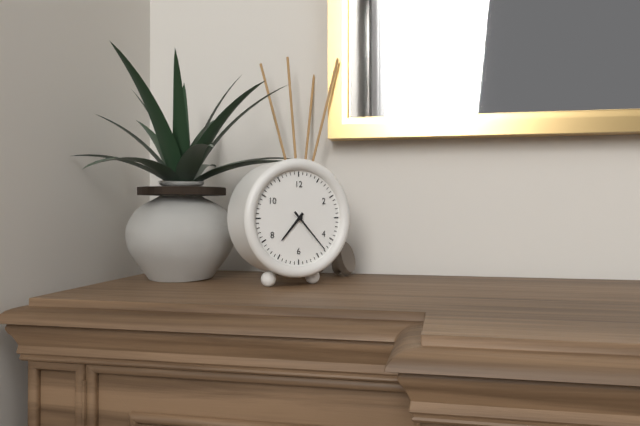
7:23
